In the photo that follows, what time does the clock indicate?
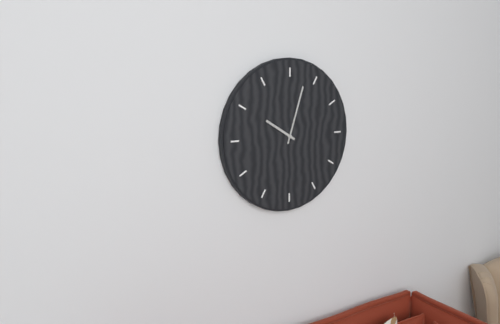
10:03
